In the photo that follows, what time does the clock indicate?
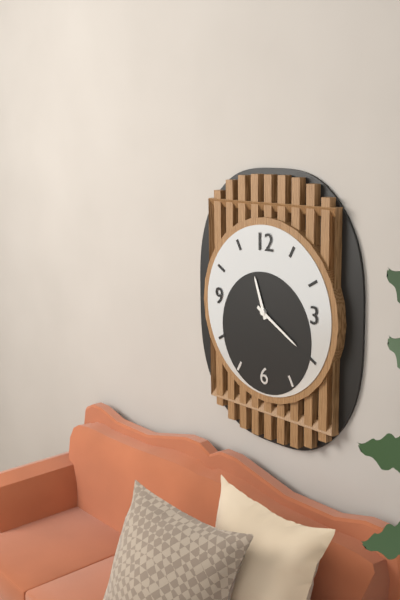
11:20
